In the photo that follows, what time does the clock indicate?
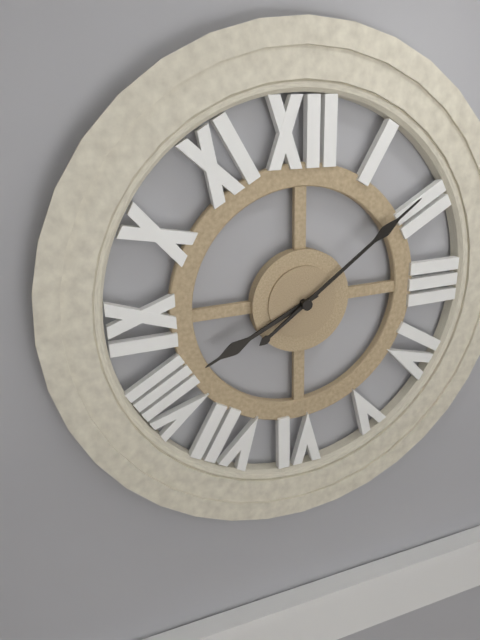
8:09
